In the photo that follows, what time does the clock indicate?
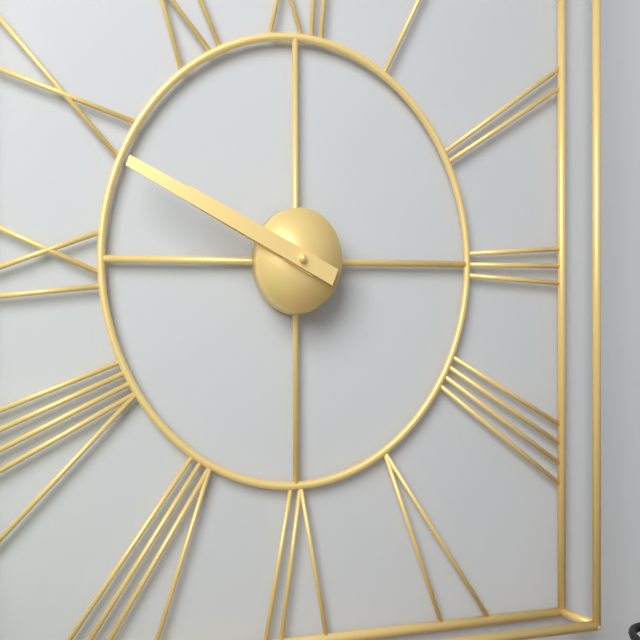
9:49
